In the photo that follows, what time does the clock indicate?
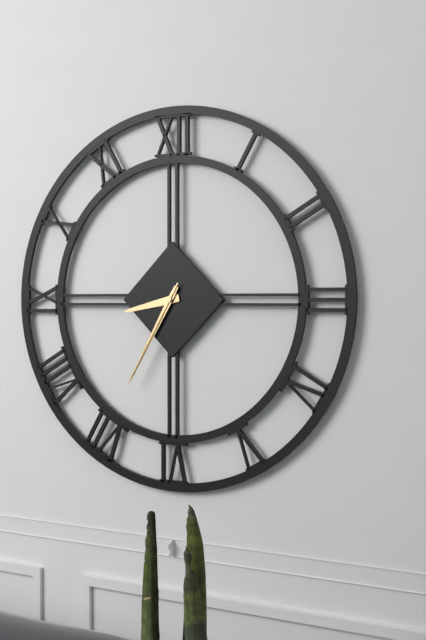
8:35:35
